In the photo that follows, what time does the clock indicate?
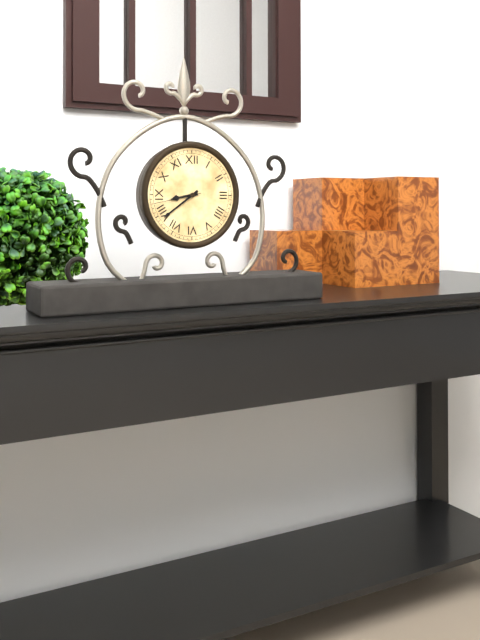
8:39
